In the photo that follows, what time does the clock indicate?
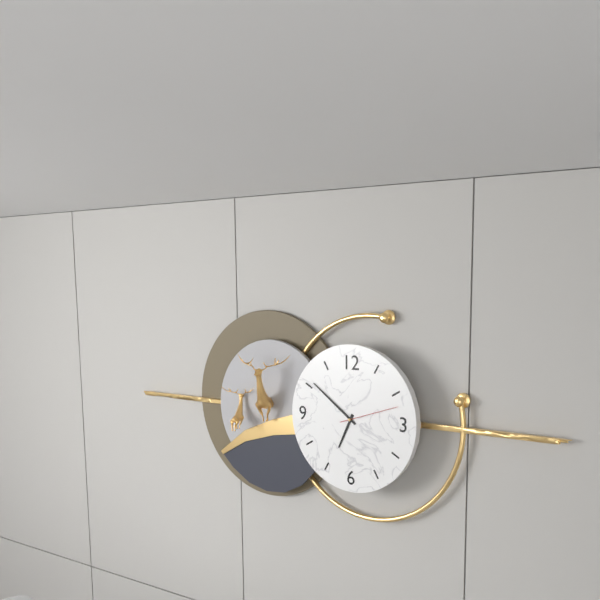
6:51:12
